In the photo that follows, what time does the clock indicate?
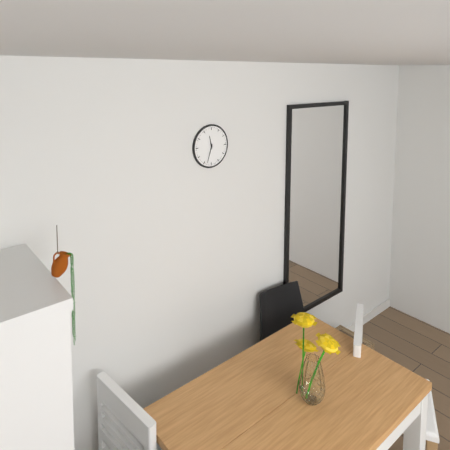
11:33
